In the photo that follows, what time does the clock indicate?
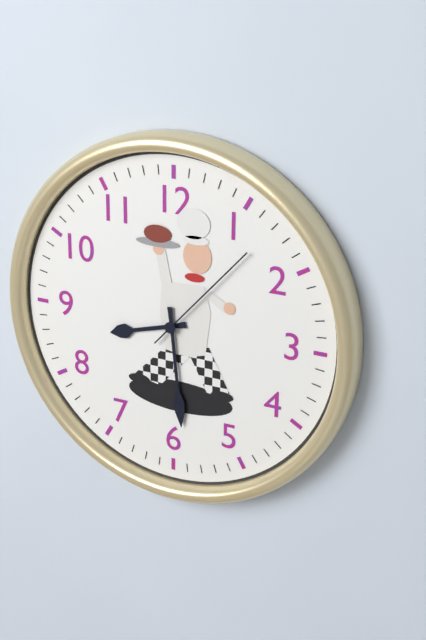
8:29:07
